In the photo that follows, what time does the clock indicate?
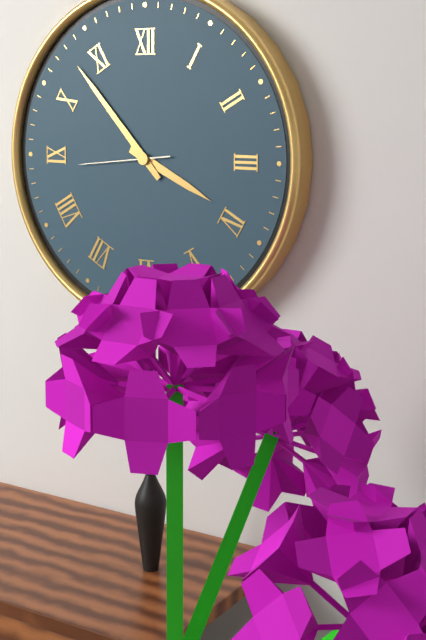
3:53:44
